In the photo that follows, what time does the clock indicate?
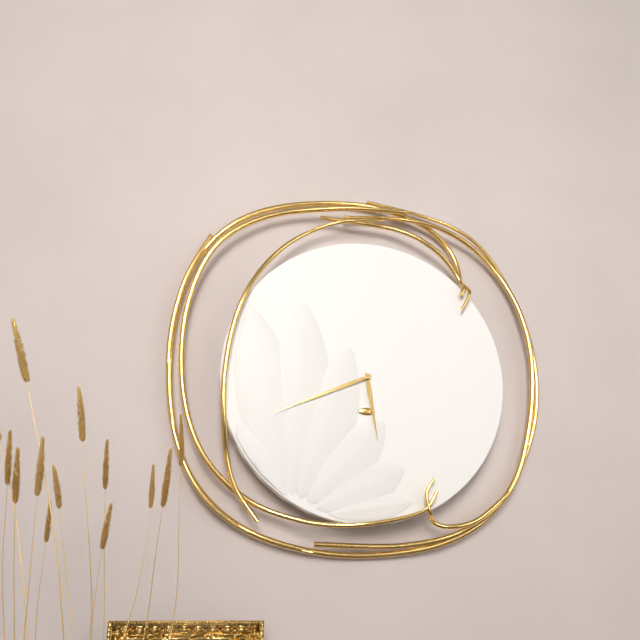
5:41
